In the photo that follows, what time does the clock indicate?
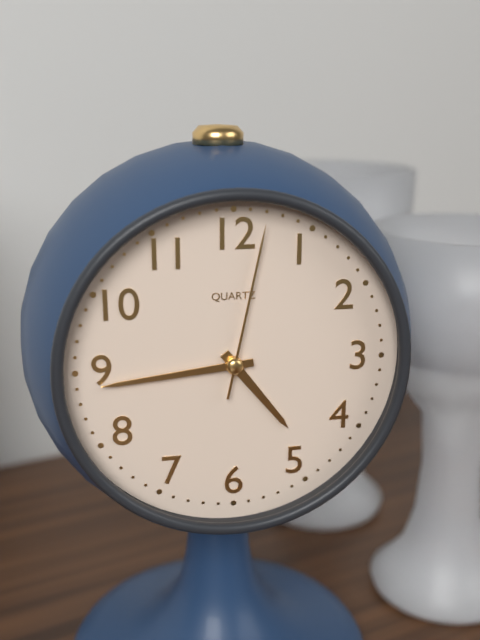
4:44:02
